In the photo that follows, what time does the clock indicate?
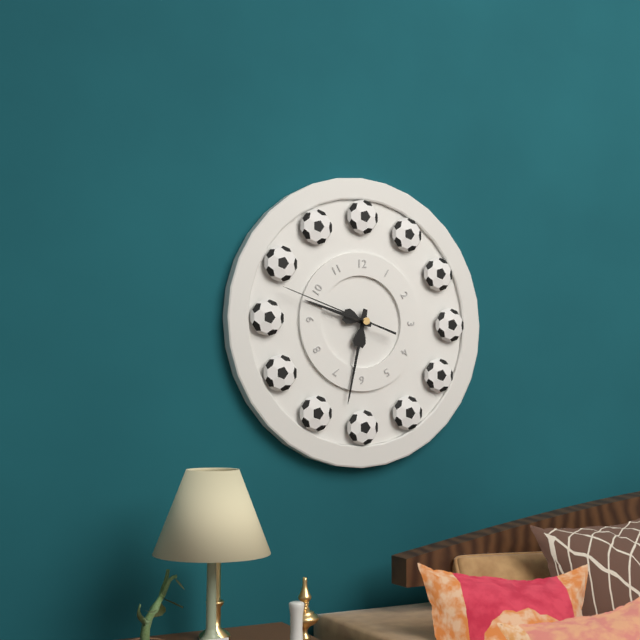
9:32:48
